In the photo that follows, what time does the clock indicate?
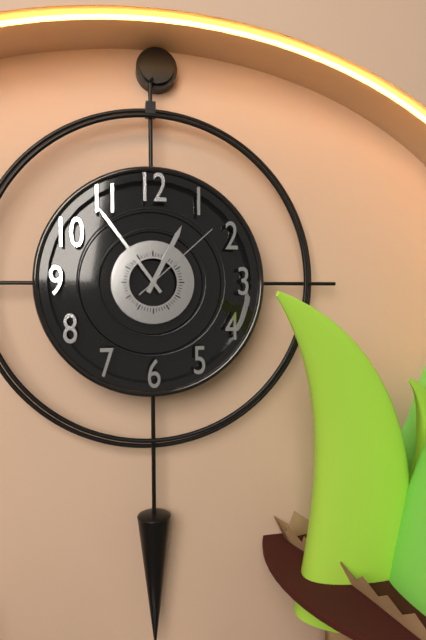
12:54:08
